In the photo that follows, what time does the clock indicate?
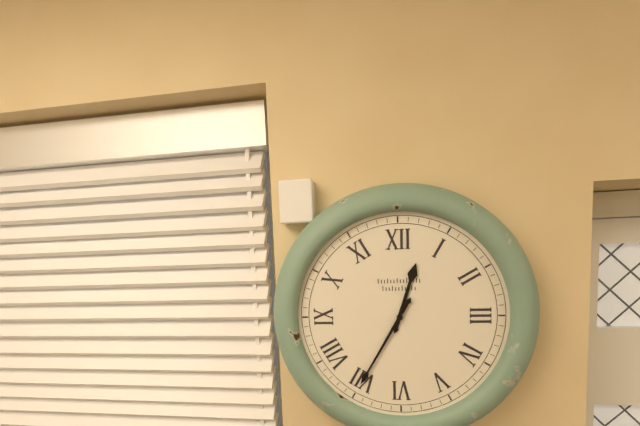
12:35
